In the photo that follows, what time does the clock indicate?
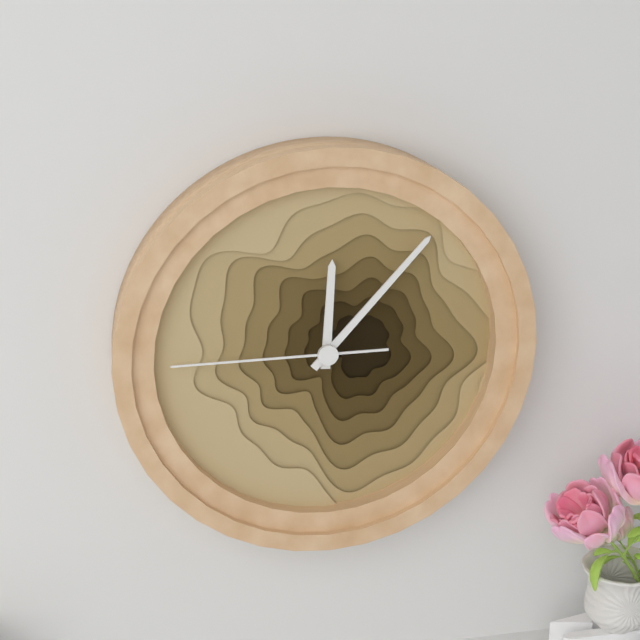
12:07:45
